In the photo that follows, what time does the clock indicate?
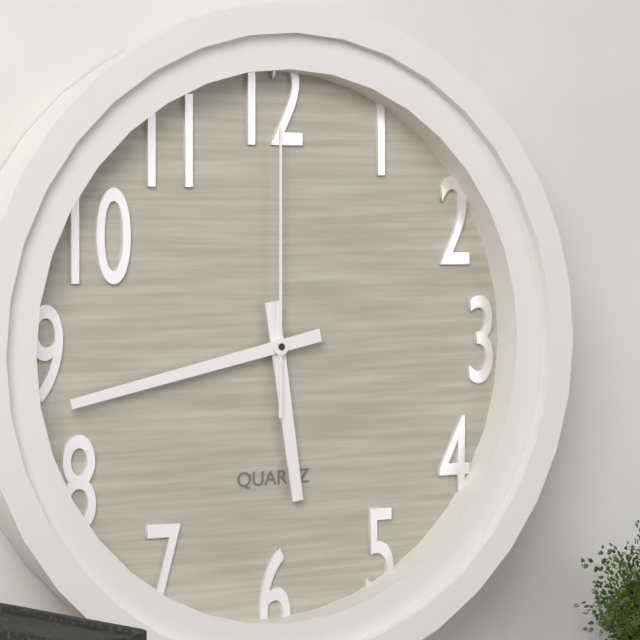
5:43:00
